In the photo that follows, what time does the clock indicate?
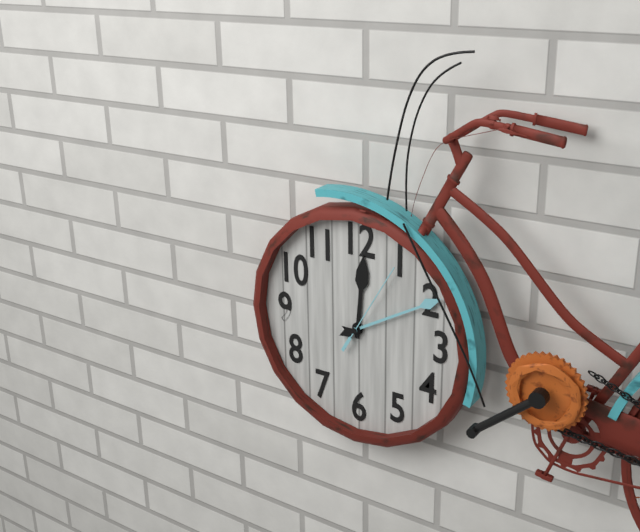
12:10:05
